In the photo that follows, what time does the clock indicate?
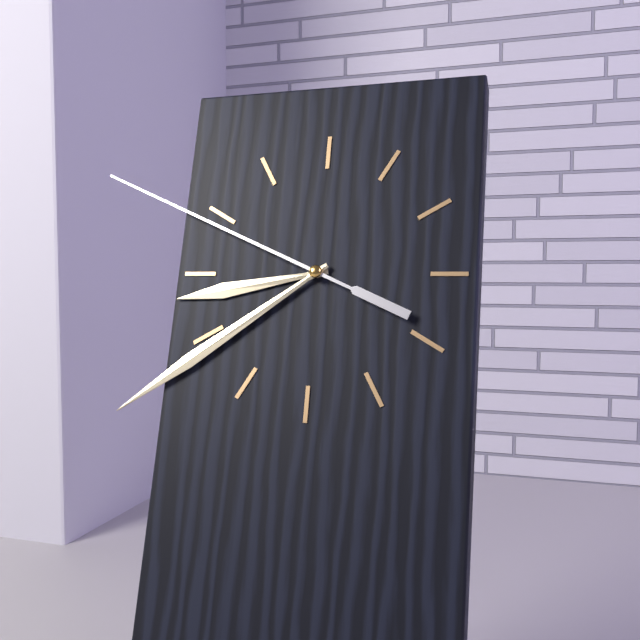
8:39:49
